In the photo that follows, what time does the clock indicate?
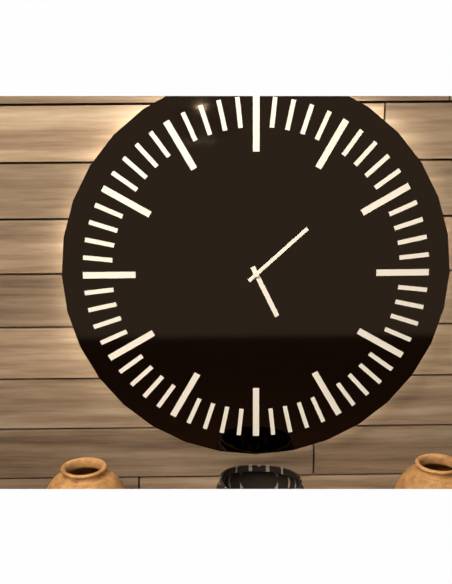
5:08
